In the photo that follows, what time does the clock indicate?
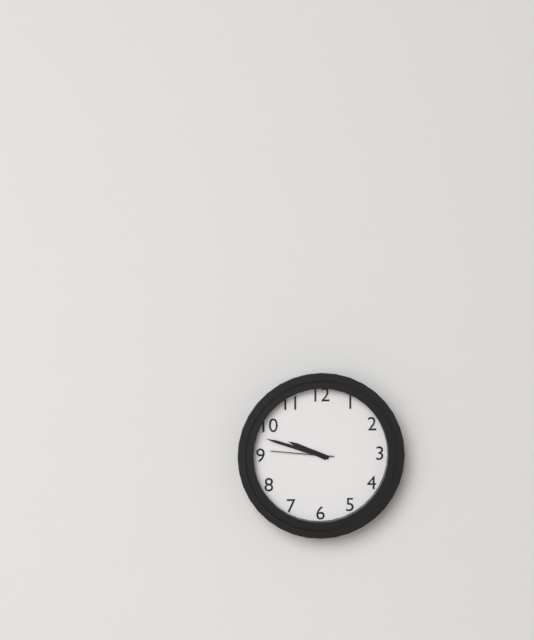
9:48:46
